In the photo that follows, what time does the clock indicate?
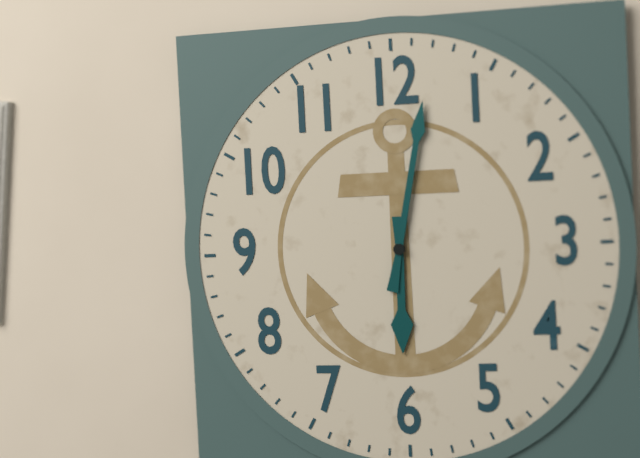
6:02
